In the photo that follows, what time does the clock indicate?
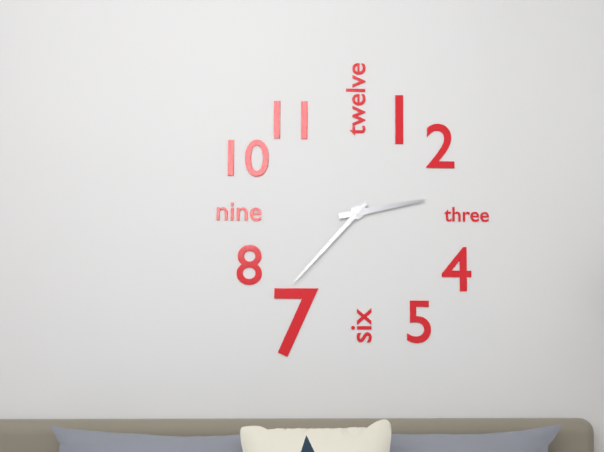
2:37
